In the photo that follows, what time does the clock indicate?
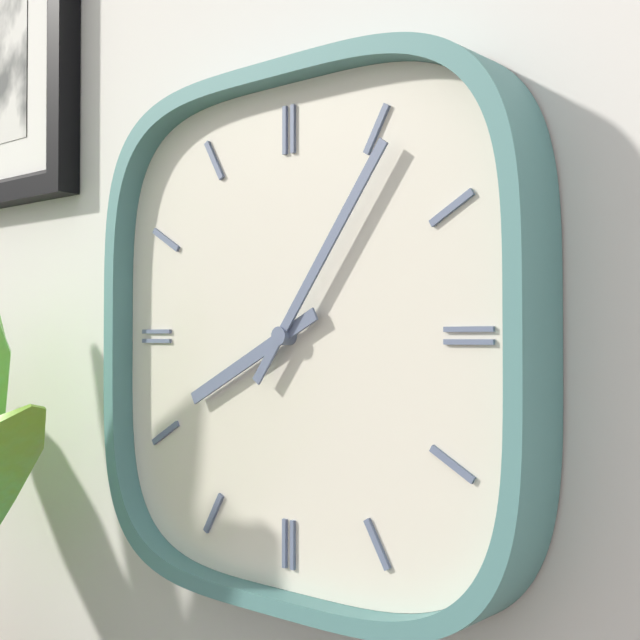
8:06
